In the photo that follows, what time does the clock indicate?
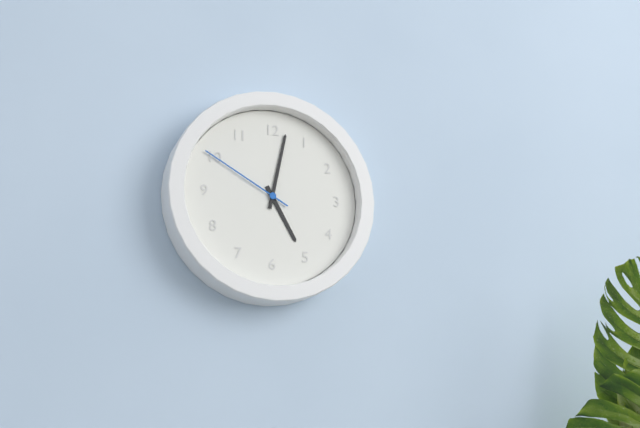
5:02:50
